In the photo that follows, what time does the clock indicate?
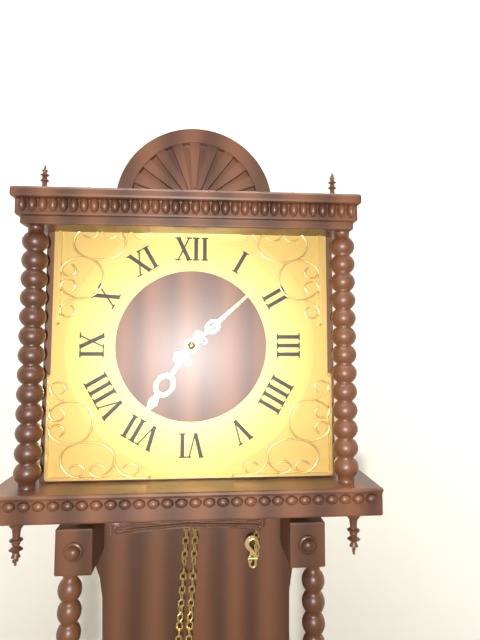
7:08
